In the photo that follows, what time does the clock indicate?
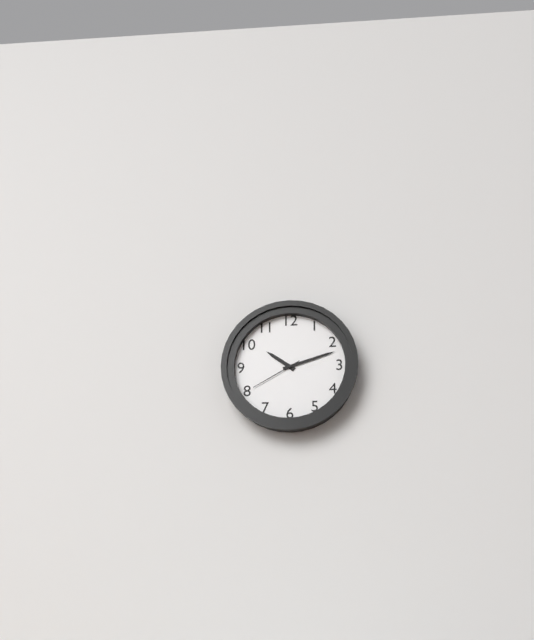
10:12:40
